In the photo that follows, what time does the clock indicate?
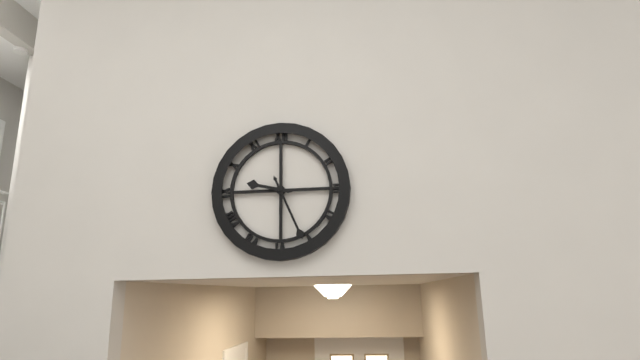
9:26
